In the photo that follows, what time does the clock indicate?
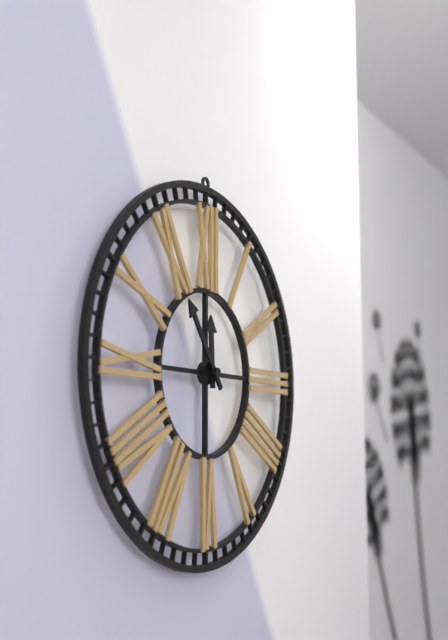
11:54
